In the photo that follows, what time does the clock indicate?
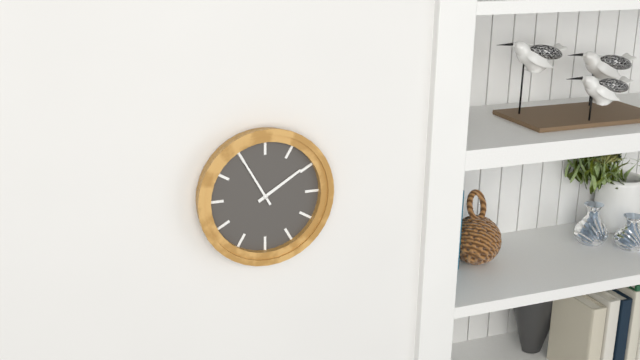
1:55
